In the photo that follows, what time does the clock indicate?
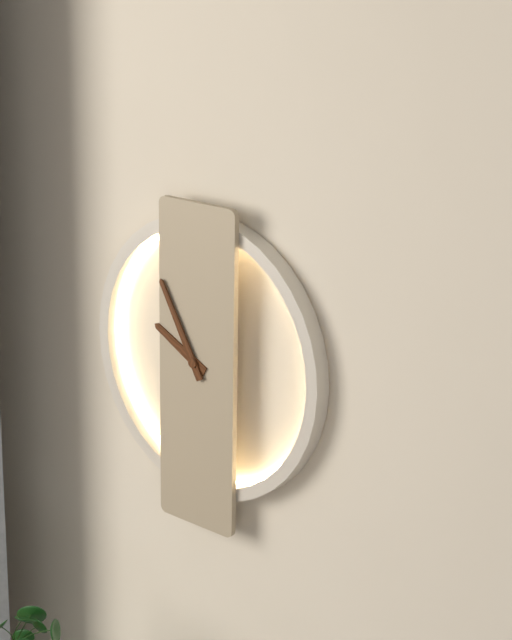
9:55
